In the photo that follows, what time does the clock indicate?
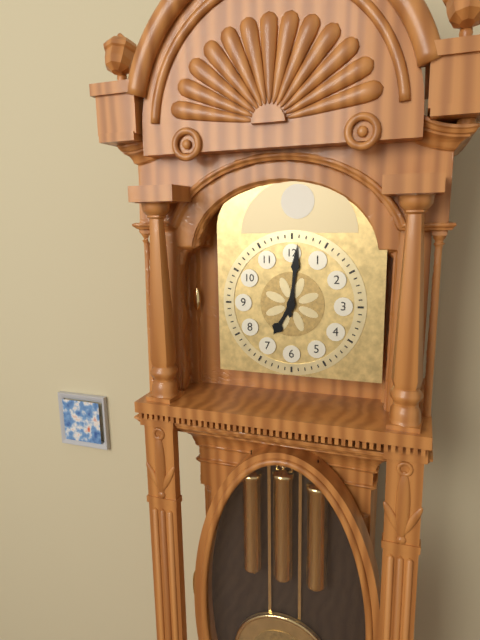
7:01
